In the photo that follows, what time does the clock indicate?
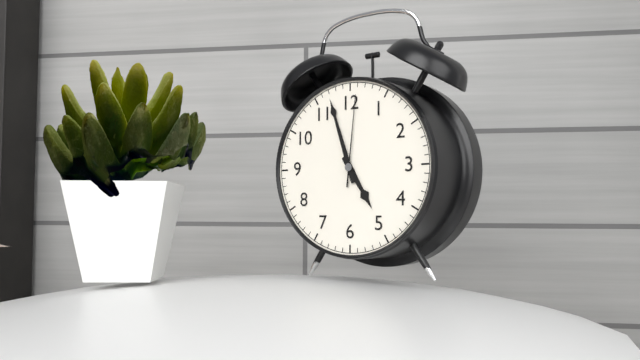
4:57:01
